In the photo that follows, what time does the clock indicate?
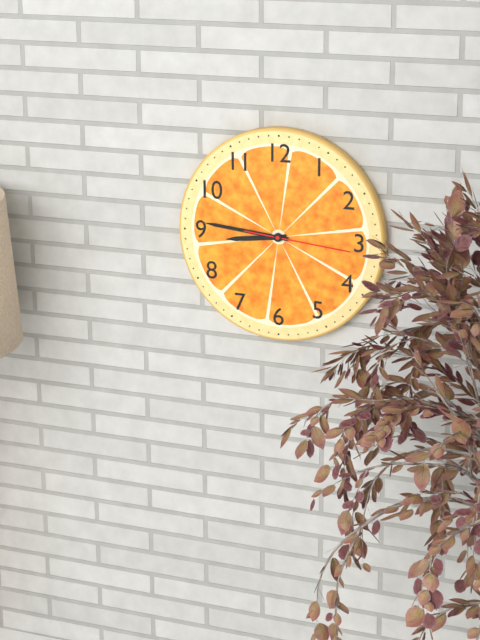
8:46:16
